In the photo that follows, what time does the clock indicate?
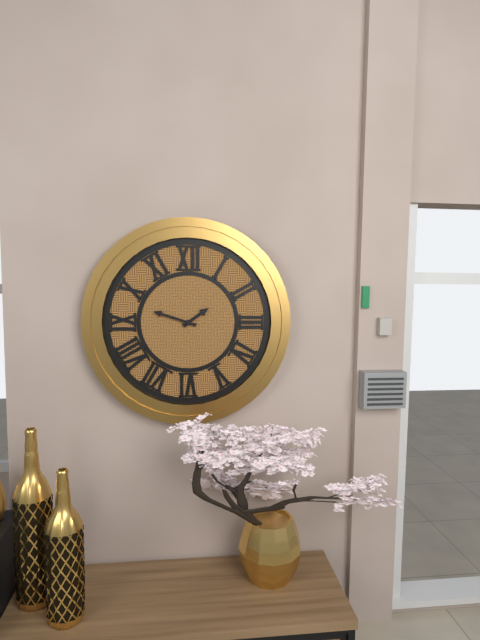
1:48
